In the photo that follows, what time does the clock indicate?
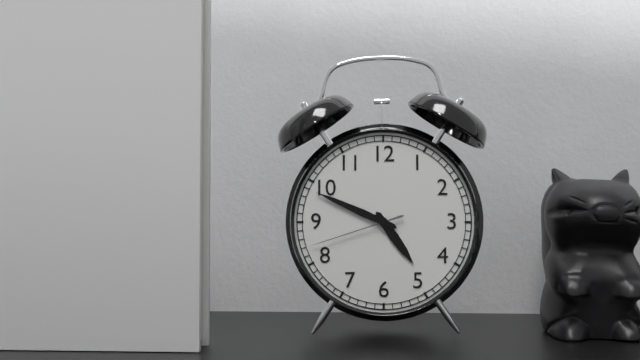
4:49:42
